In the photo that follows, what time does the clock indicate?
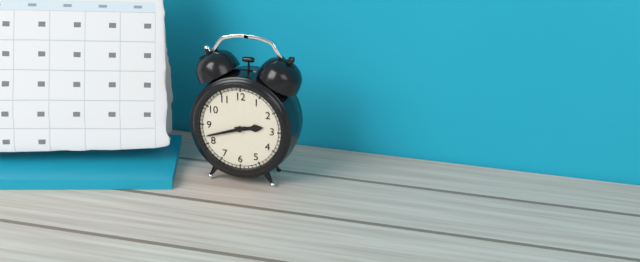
2:42
